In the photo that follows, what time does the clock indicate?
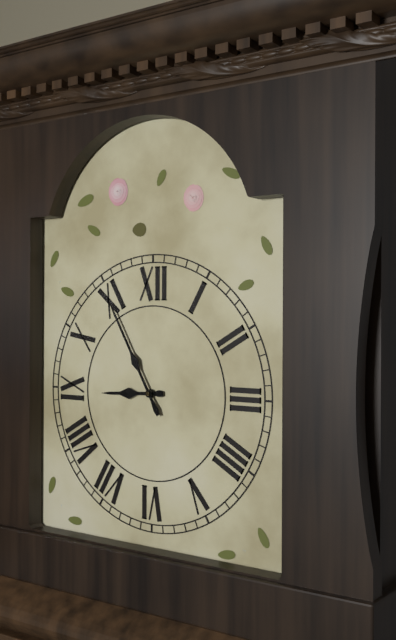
8:55
